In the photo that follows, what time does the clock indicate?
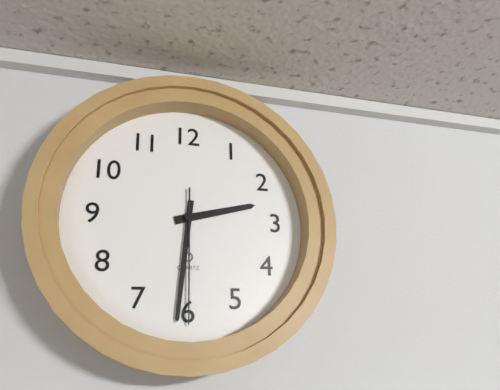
2:31:30
